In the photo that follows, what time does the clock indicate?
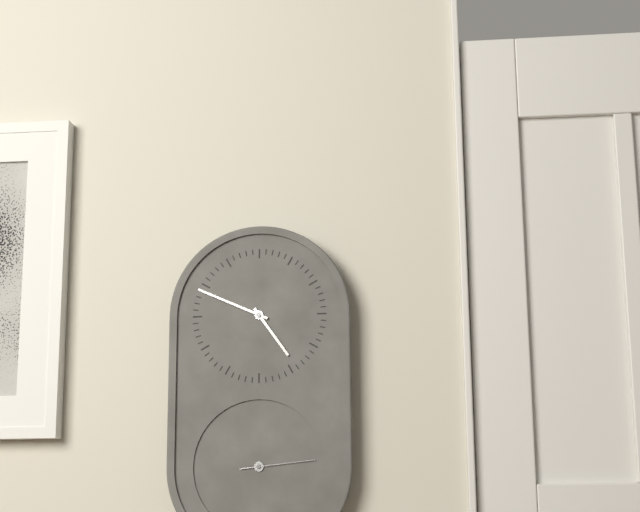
4:49:14
